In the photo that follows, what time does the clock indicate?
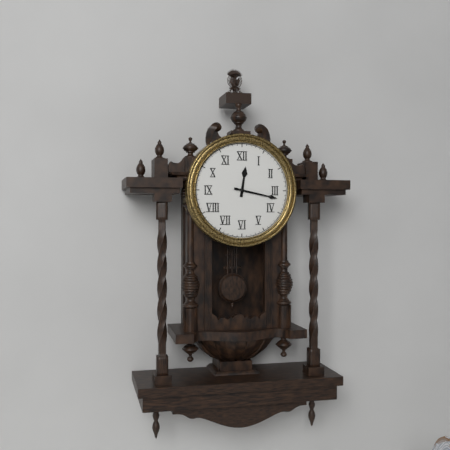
12:17
